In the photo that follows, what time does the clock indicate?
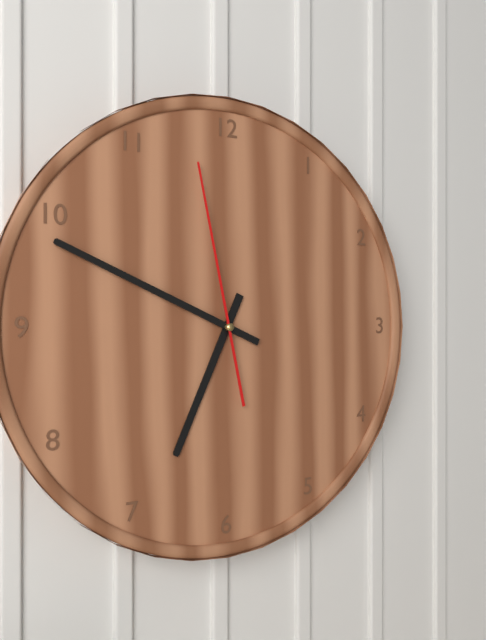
6:49:58
